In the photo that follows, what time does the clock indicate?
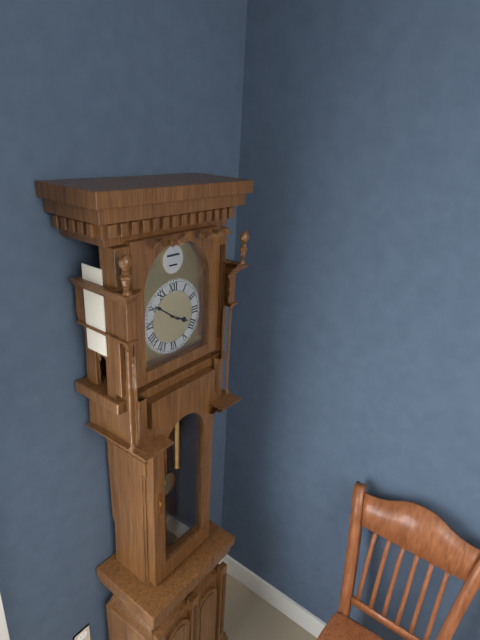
3:51
